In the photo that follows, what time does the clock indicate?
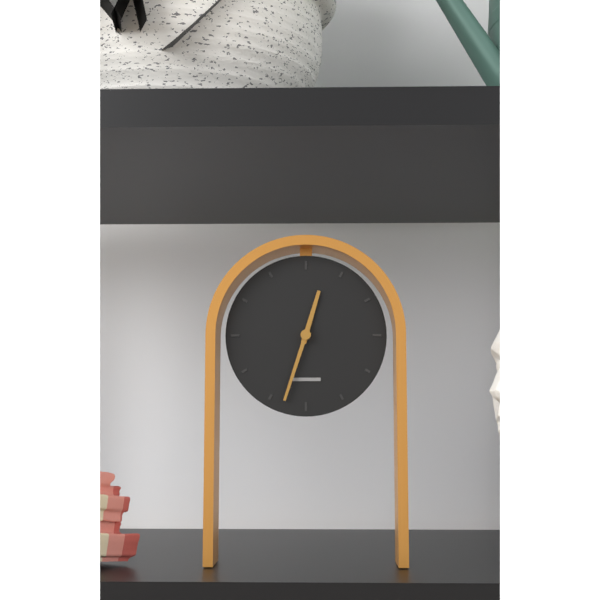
12:33
